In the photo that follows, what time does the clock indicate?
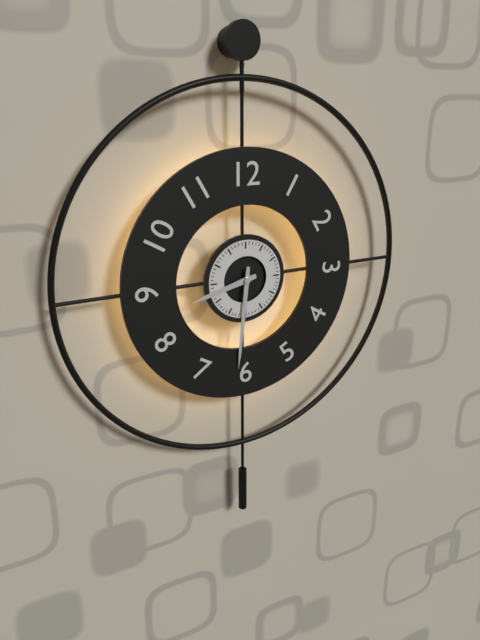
8:31
